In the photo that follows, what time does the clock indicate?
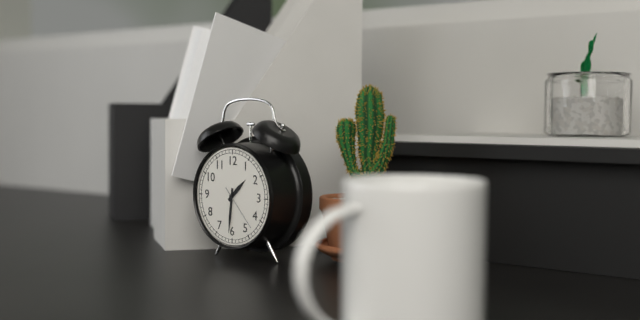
1:31
